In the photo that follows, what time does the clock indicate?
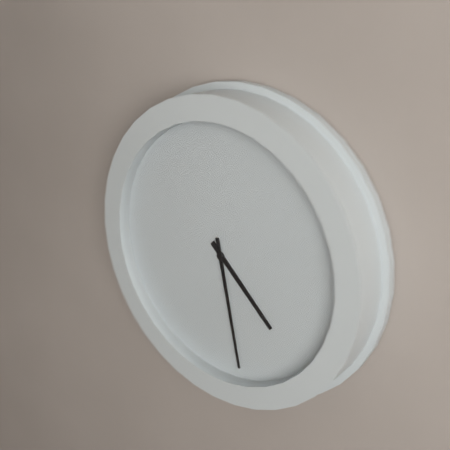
4:28
